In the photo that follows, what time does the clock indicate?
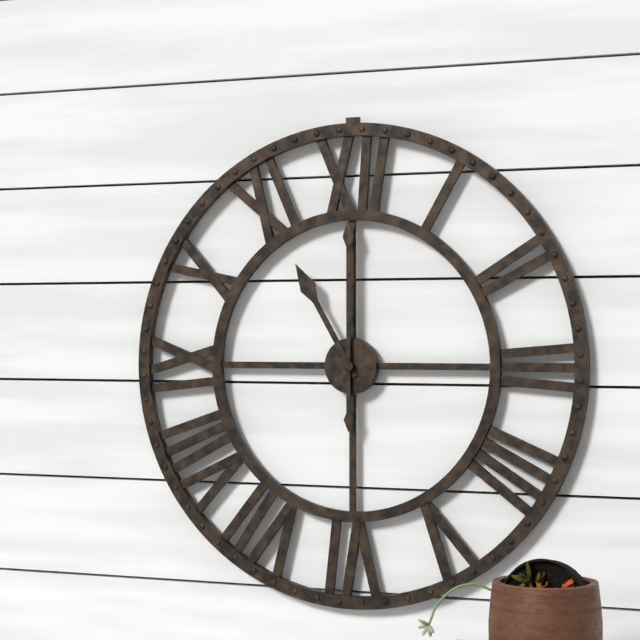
11:00
